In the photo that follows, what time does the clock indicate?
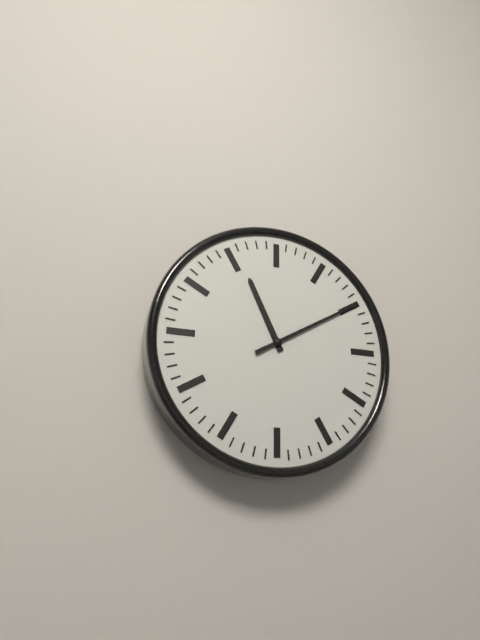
11:10
